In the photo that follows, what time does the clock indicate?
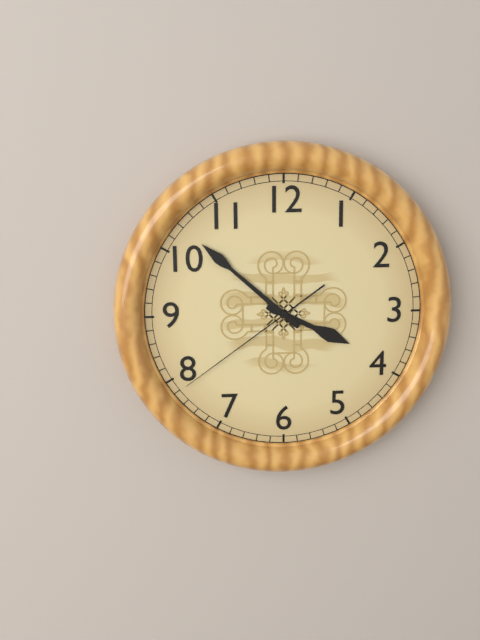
3:52:39
